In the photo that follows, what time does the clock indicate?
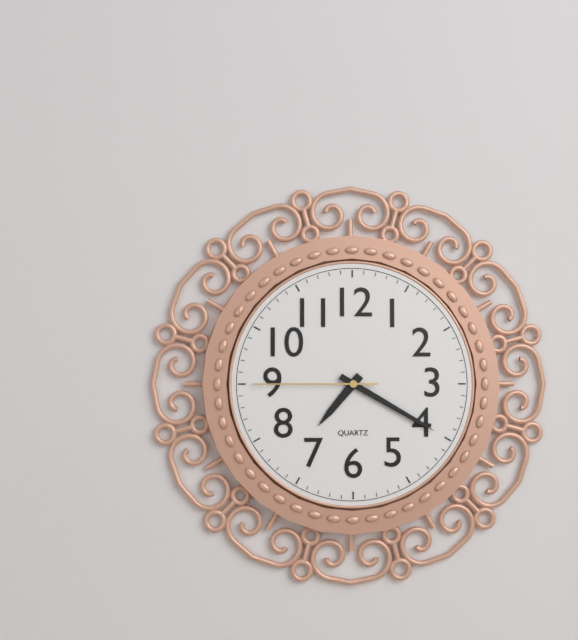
7:20:45
